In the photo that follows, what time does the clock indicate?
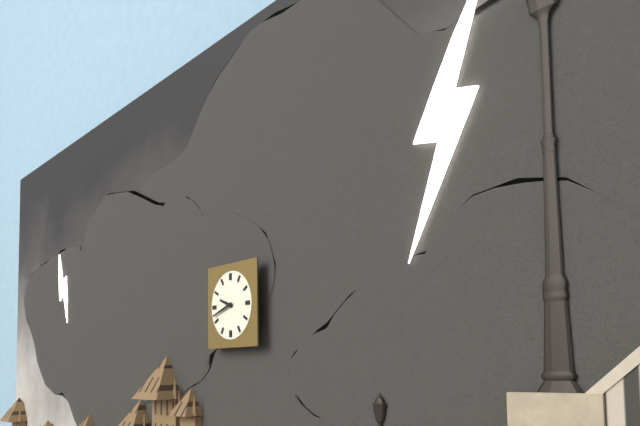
9:42
